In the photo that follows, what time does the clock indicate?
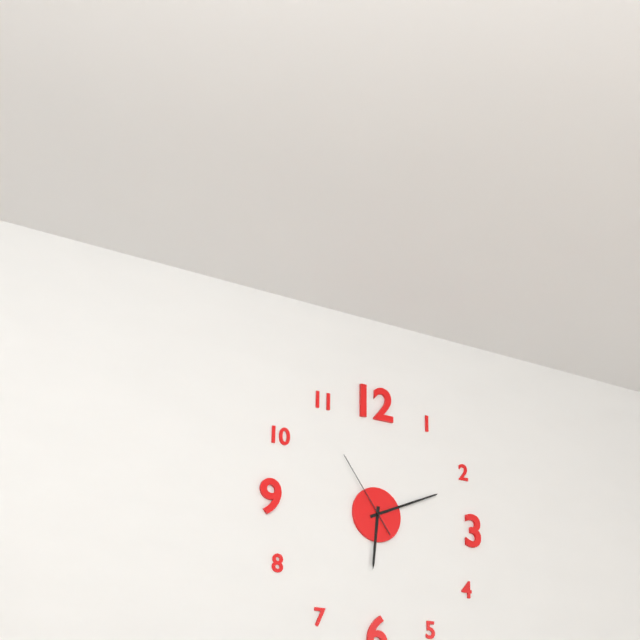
6:11:54
